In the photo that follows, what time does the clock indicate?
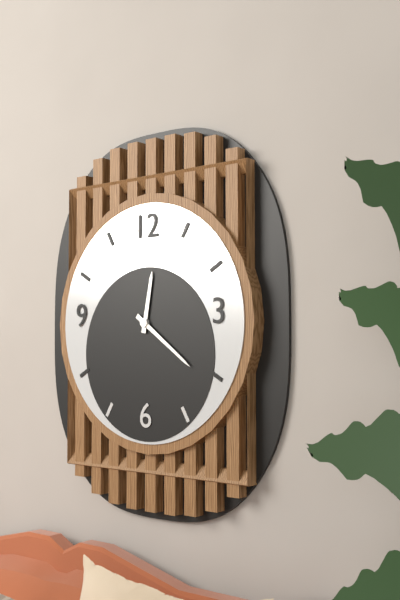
12:21
